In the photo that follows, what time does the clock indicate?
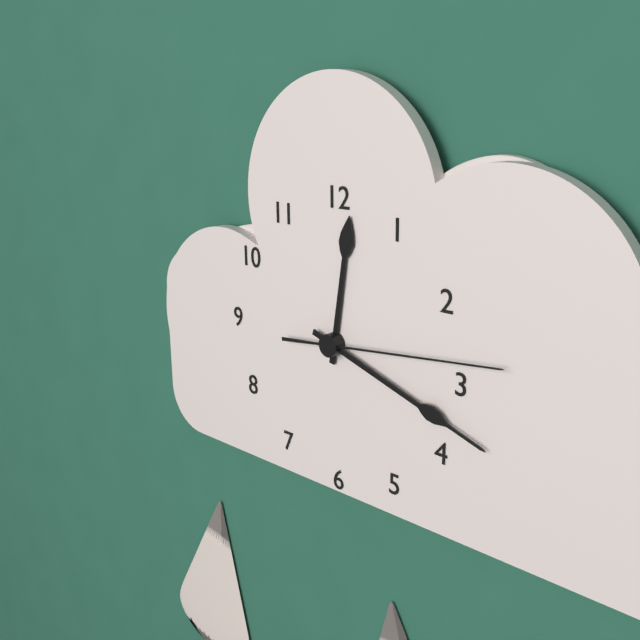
12:18:14
